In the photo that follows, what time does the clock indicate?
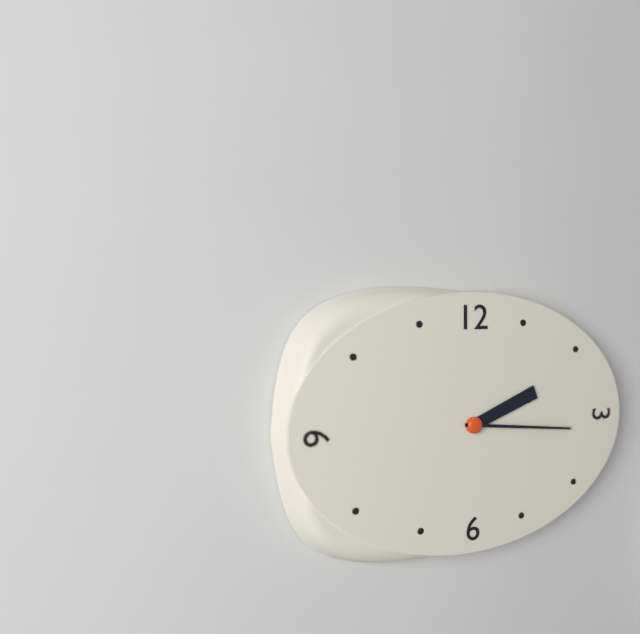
2:16
